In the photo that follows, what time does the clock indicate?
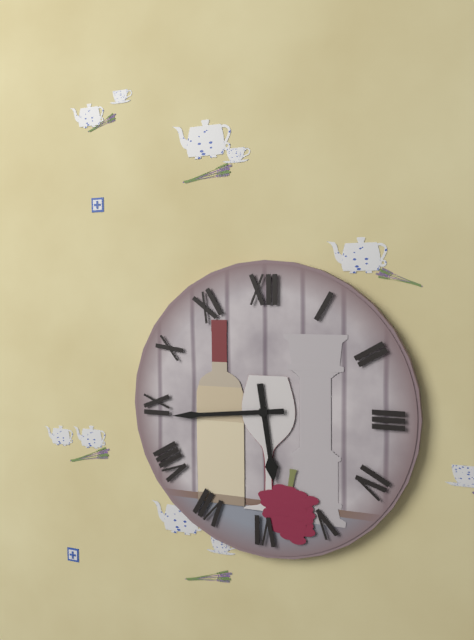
5:44
